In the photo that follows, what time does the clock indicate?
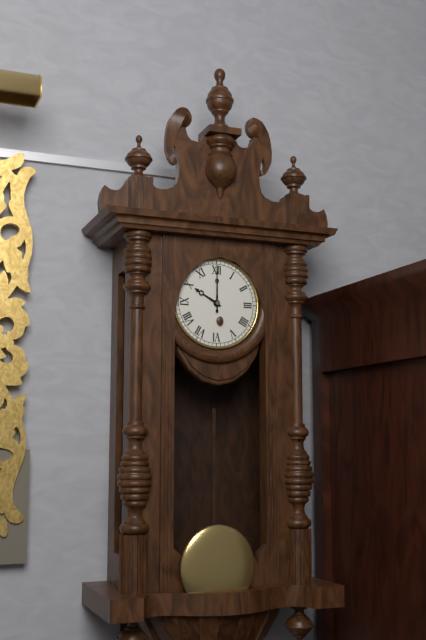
10:00
